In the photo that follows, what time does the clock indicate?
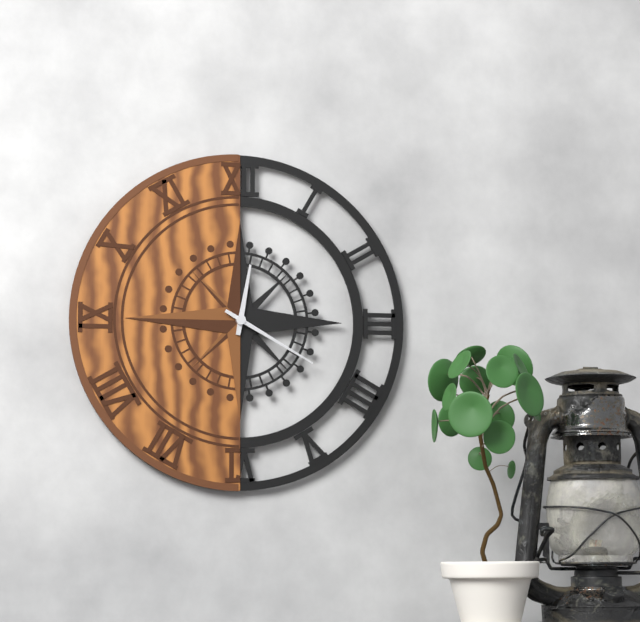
12:20
